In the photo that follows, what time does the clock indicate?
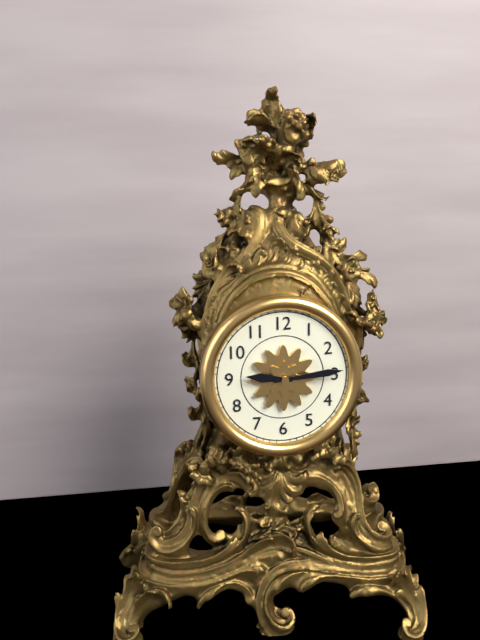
9:14
